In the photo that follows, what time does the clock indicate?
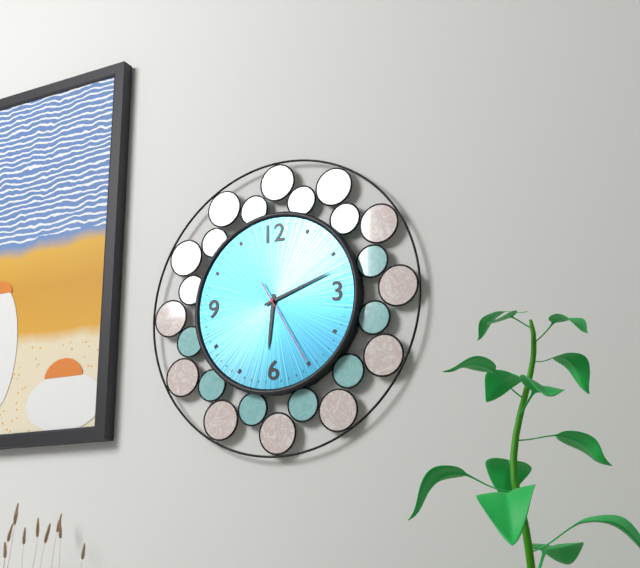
6:12:25
